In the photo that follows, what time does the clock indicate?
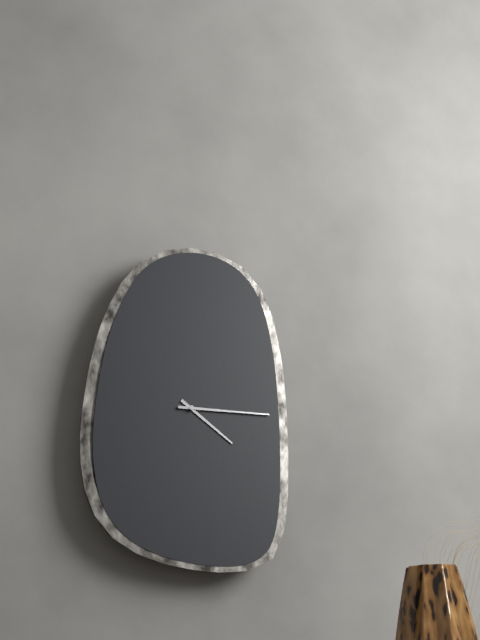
4:15
